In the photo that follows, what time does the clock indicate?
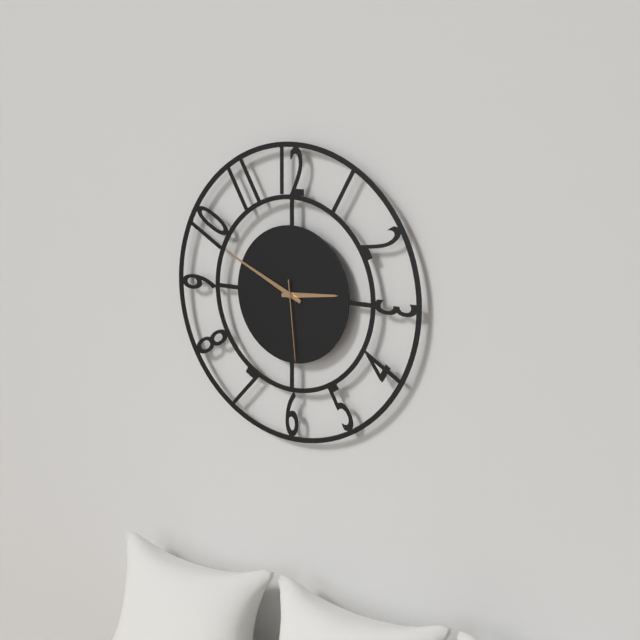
2:49:29
